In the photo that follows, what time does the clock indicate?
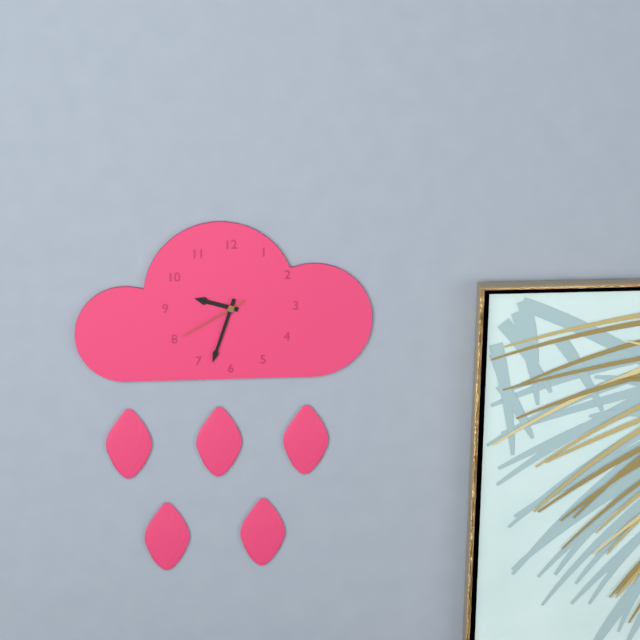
9:33:40
